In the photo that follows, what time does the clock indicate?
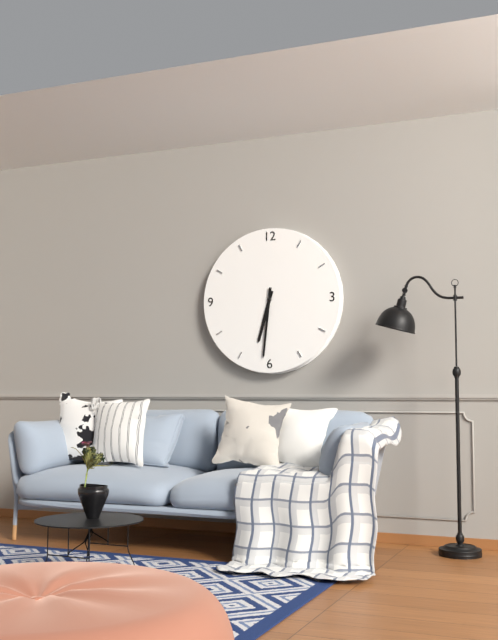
6:31
